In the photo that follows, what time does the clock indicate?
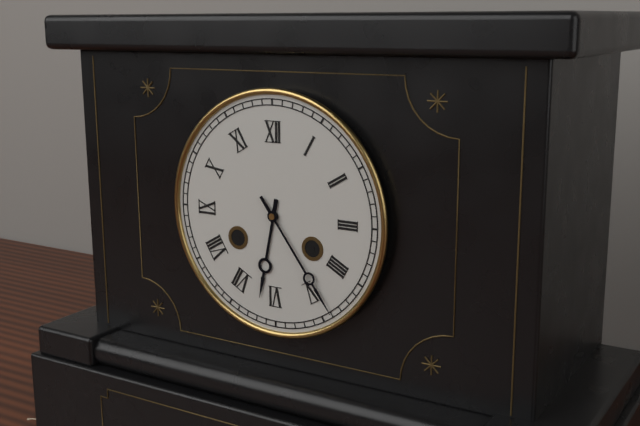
6:24
